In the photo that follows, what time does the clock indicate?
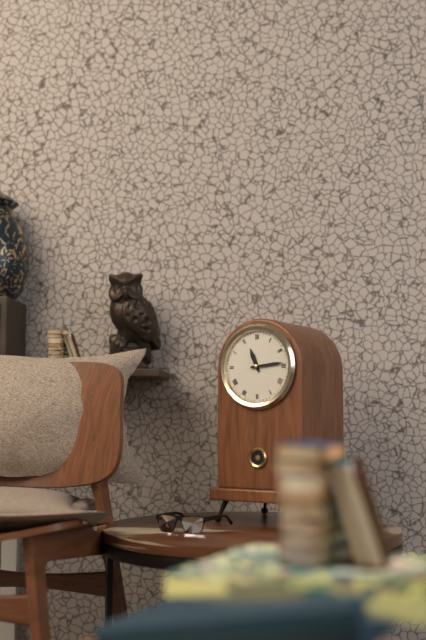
11:14
